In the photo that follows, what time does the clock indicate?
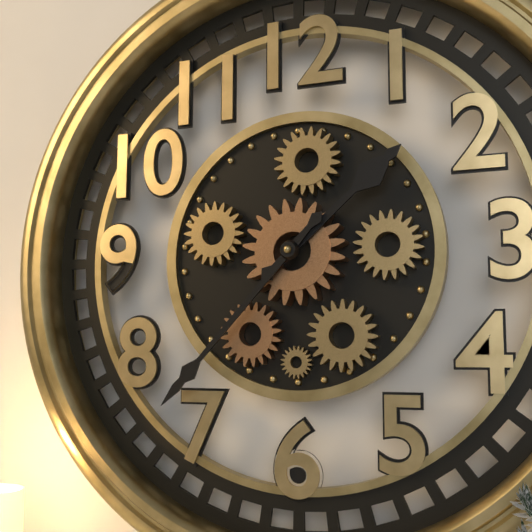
1:37
